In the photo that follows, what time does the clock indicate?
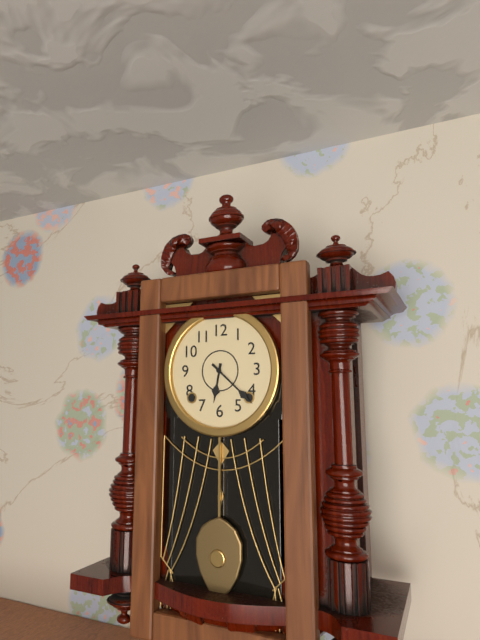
6:22
